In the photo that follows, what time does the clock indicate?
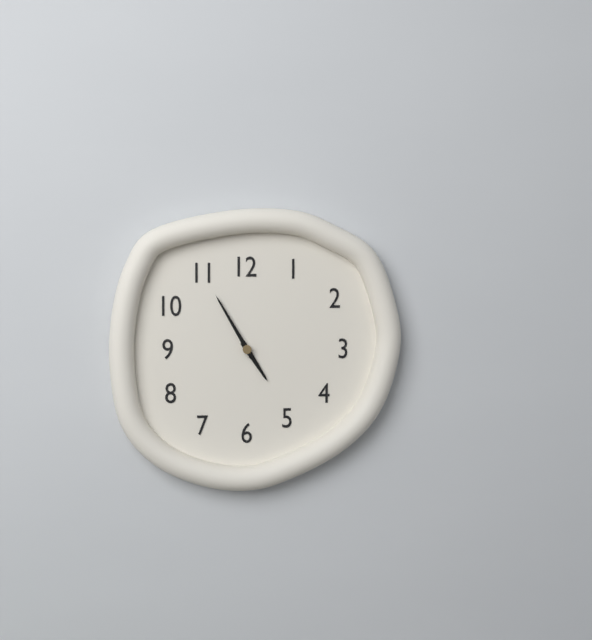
4:55
